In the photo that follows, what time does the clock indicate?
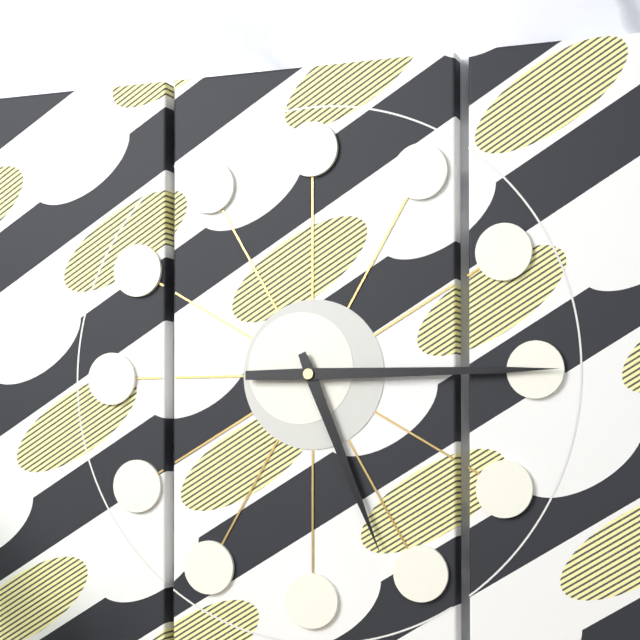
5:15
